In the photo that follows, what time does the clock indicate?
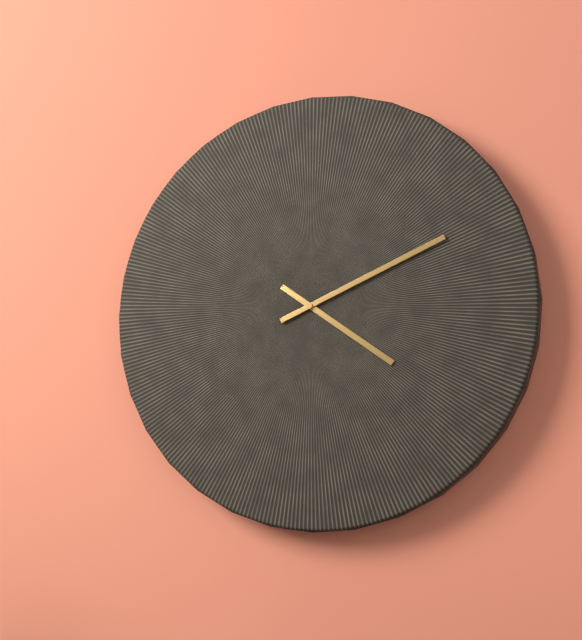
4:11
